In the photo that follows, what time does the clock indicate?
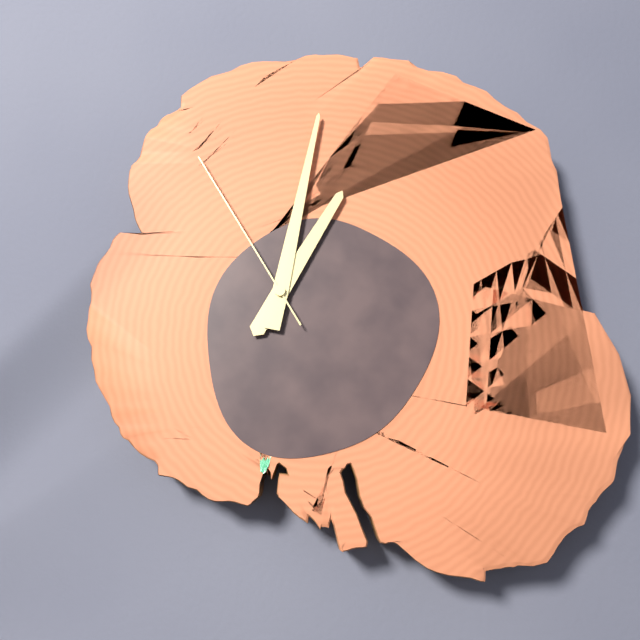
1:02:55
